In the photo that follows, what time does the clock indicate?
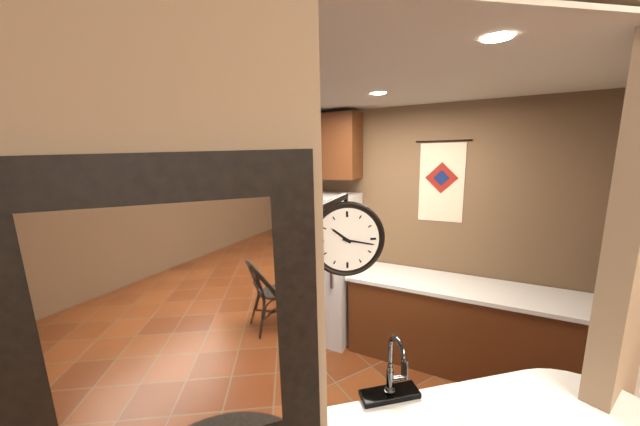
10:17
